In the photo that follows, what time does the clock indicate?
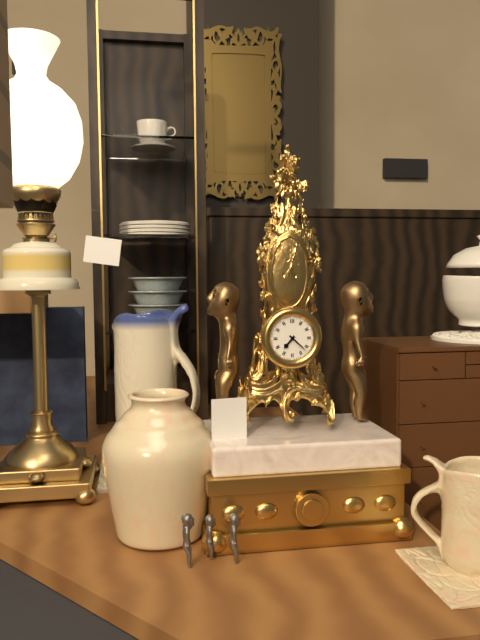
7:22
